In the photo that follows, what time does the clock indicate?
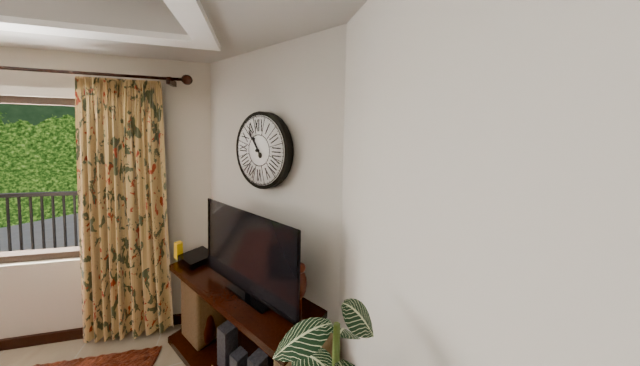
10:54
